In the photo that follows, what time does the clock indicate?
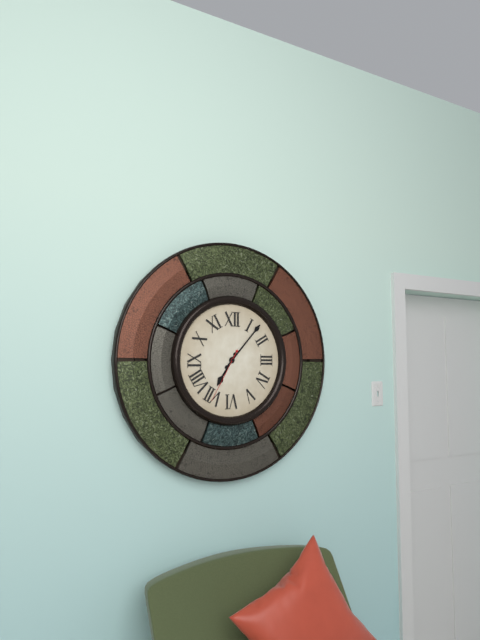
7:07:35
